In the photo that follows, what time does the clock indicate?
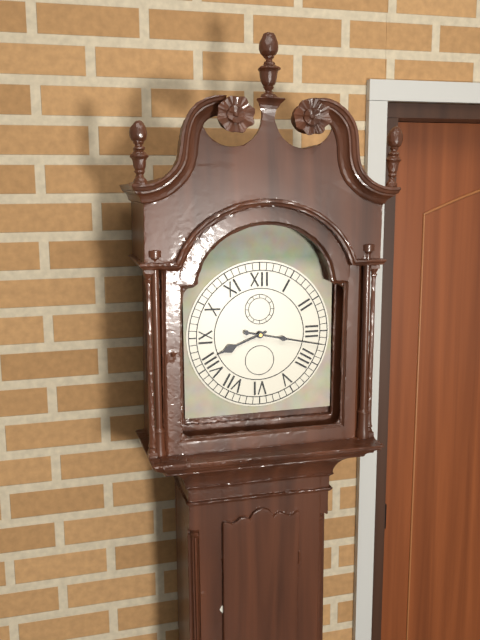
8:17
